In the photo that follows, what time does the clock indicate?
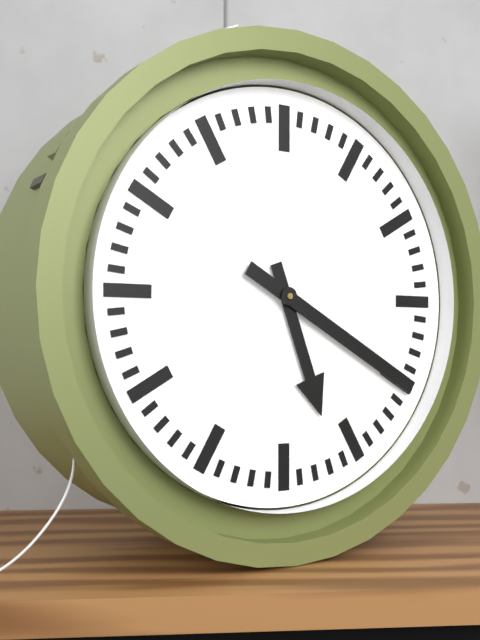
5:20
